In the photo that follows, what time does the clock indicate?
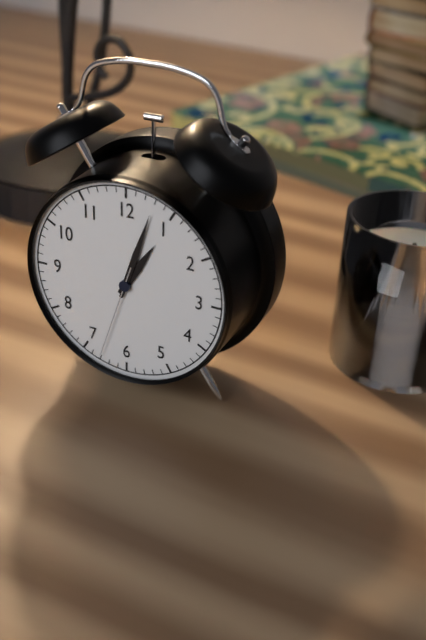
1:03:33
